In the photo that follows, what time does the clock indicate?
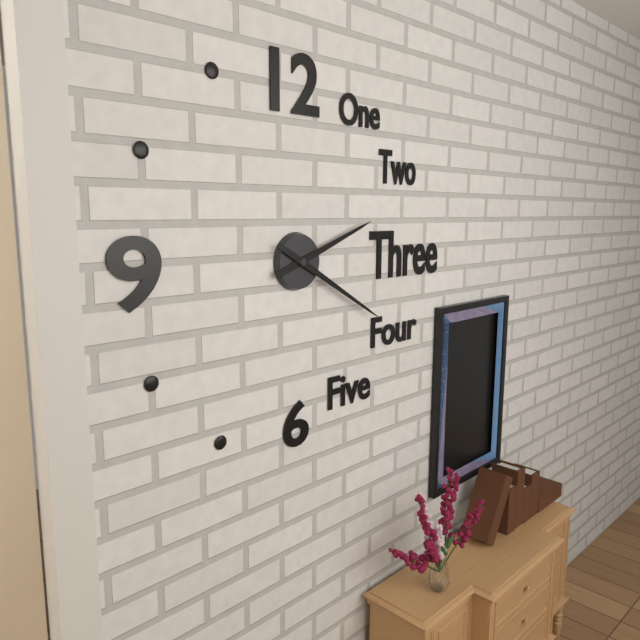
2:20
